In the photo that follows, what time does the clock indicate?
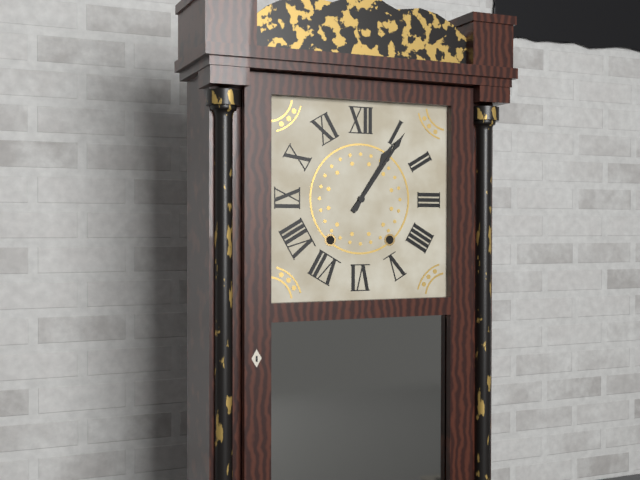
1:06
